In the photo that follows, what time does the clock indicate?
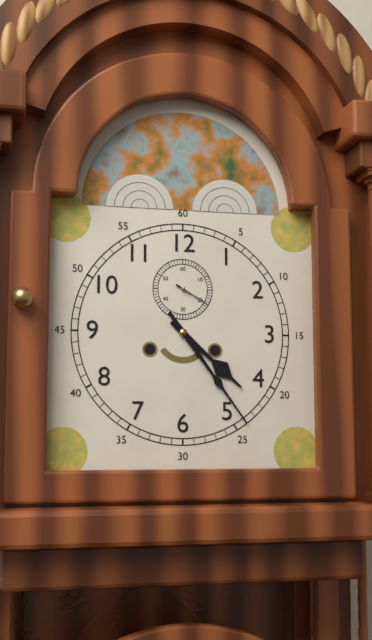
4:24
